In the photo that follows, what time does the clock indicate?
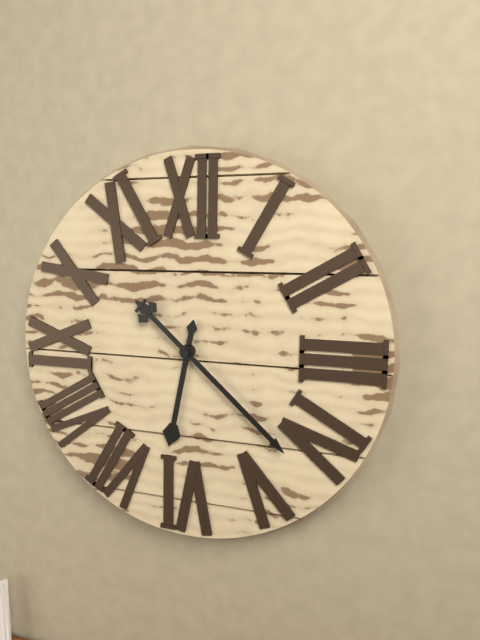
6:22
